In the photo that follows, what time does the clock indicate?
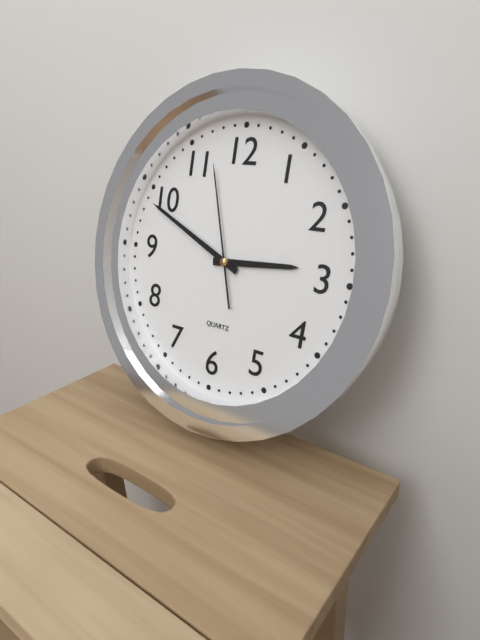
2:49:57
